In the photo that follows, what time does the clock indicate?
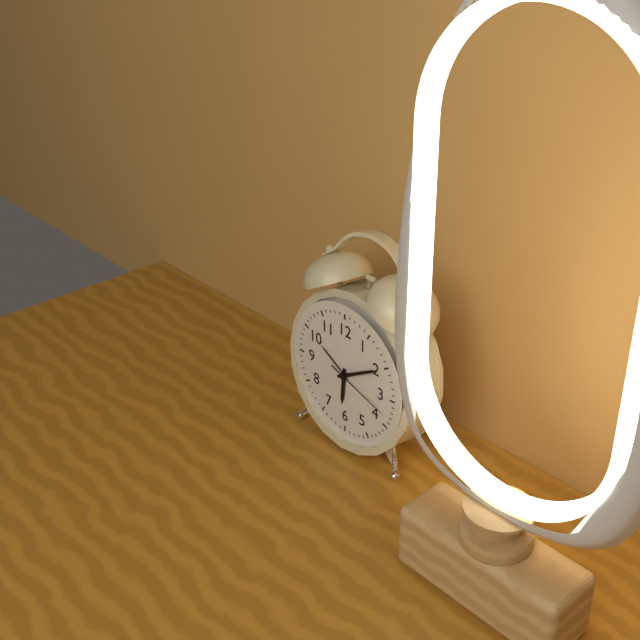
6:10:18
